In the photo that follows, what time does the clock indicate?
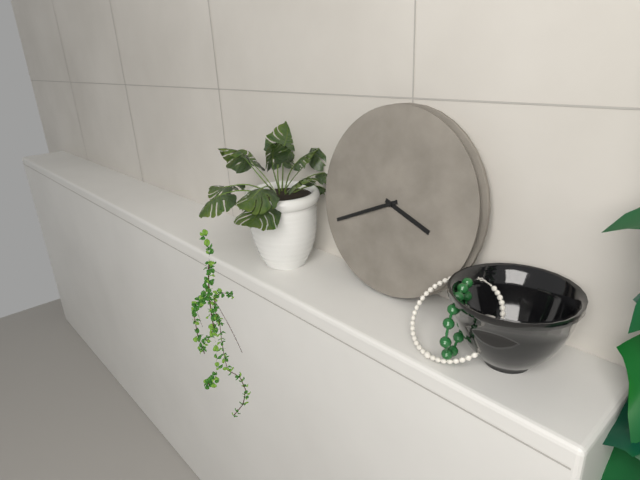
3:41
